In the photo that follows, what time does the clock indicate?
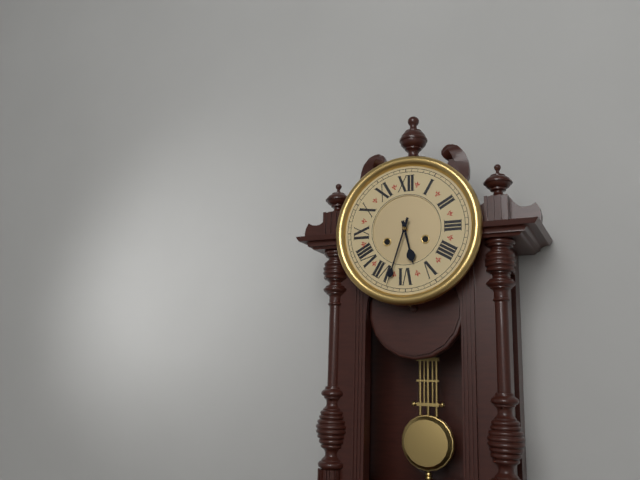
5:33
